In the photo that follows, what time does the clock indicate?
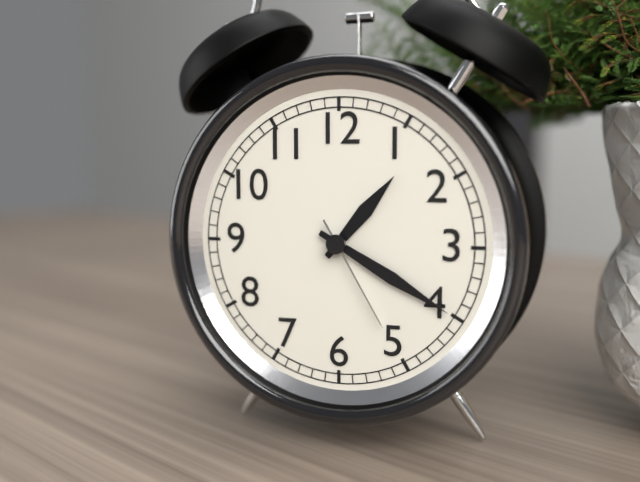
1:20:25
